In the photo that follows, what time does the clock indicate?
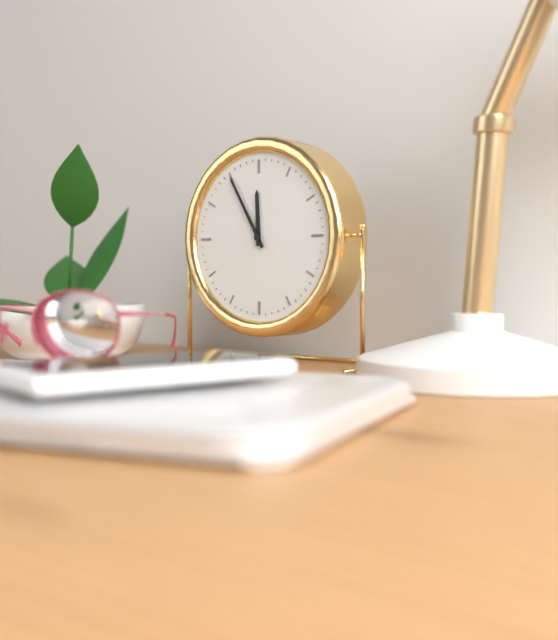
11:55
